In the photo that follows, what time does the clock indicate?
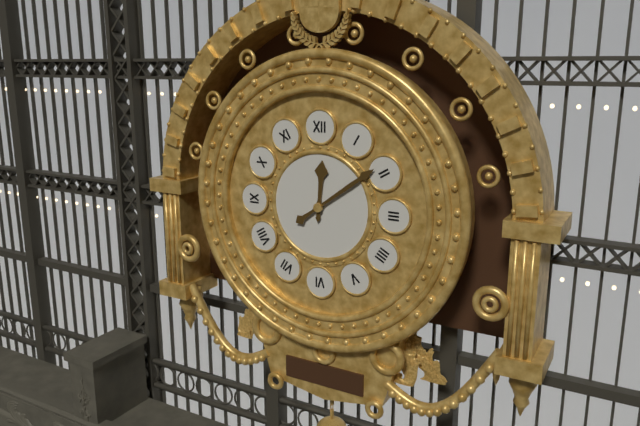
12:09
